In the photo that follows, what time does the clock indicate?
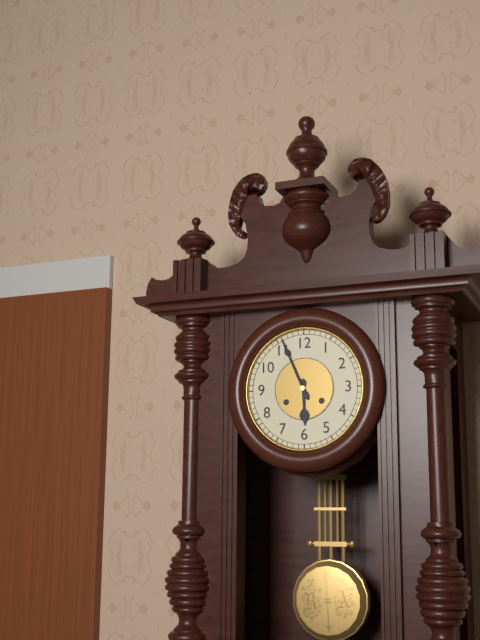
5:56
